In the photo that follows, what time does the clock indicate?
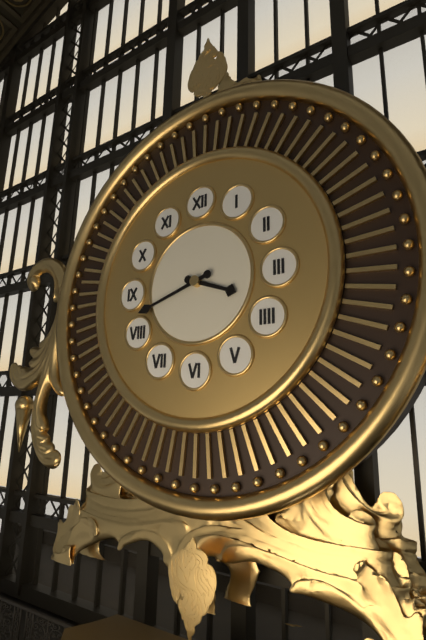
3:42
